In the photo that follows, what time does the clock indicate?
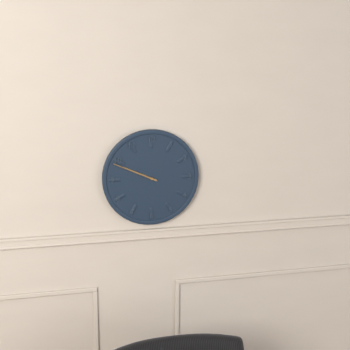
9:49
